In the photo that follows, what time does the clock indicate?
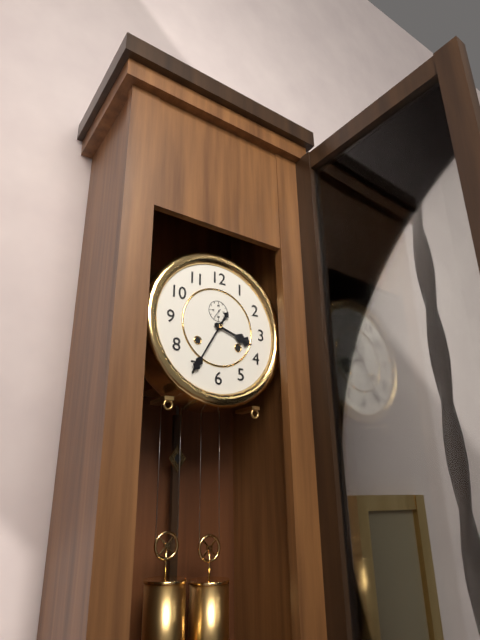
3:35
